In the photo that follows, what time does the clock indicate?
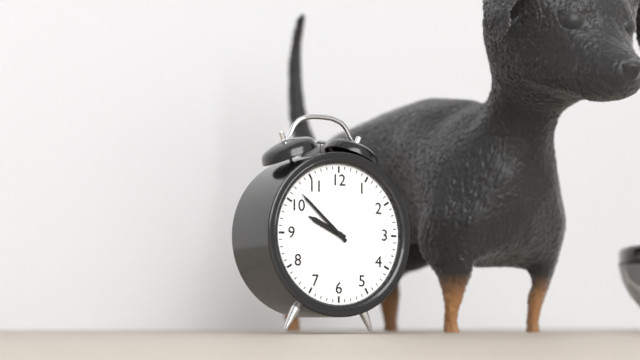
9:52
